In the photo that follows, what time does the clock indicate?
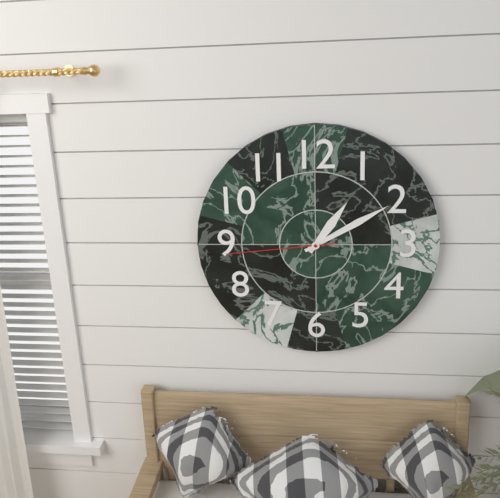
1:10:44
